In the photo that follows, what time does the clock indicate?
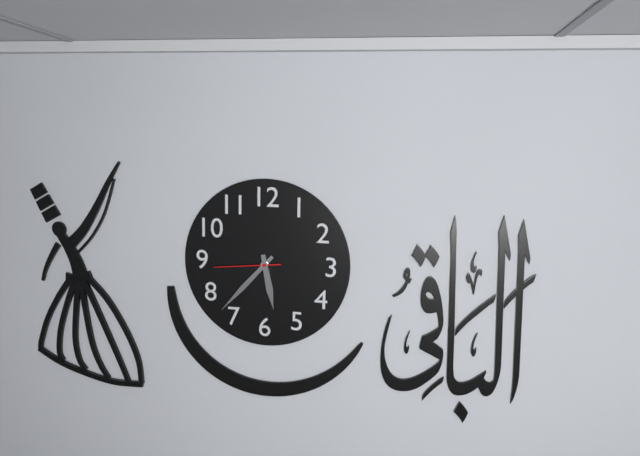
5:37:44
